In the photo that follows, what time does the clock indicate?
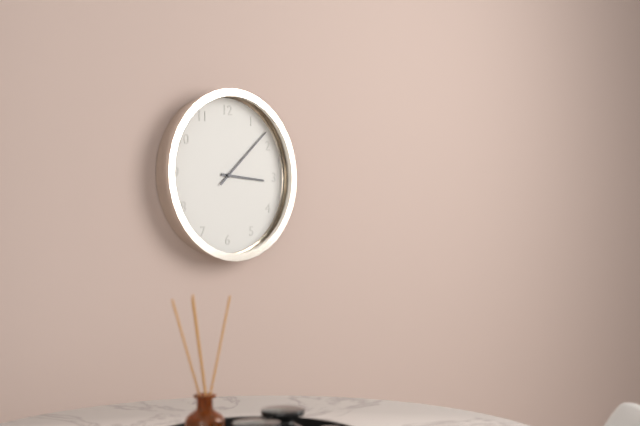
3:08
